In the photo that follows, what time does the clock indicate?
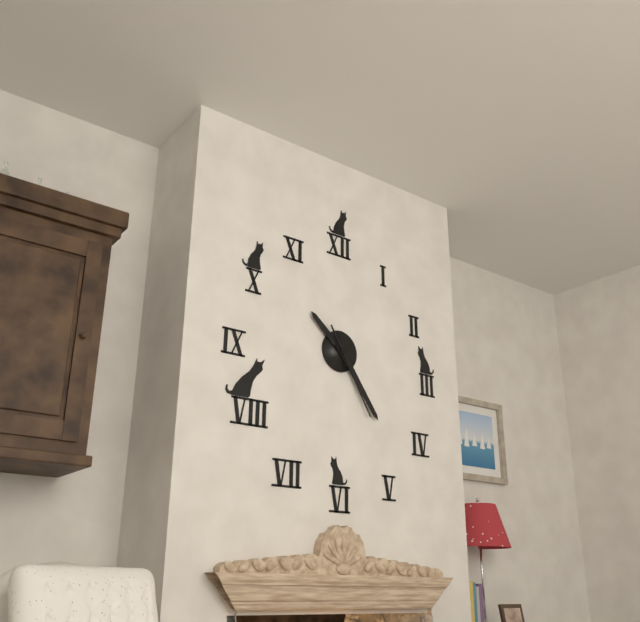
10:24:25
